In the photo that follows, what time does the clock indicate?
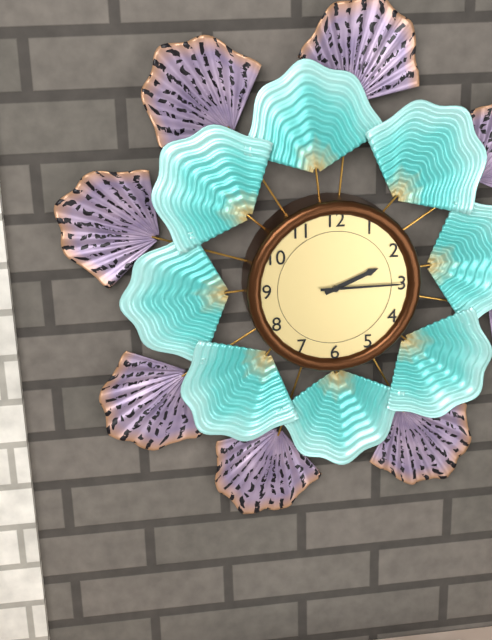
2:15
